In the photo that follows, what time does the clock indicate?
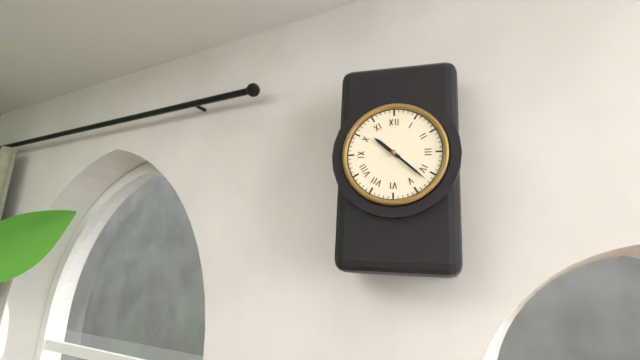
10:22
